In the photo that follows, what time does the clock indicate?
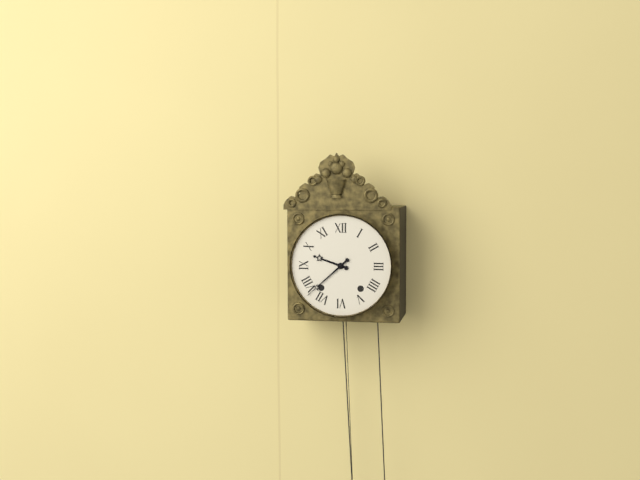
9:38
